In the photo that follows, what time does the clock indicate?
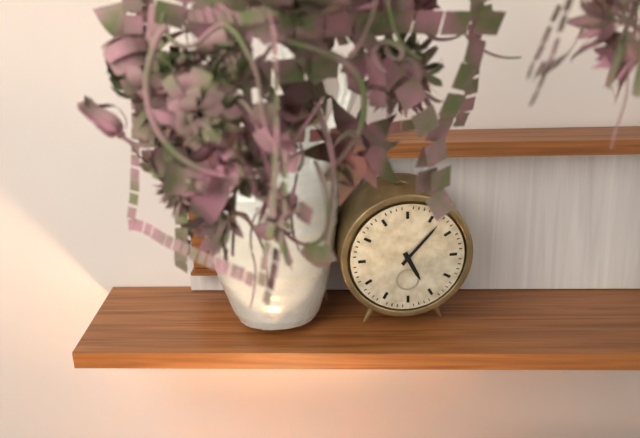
5:07
